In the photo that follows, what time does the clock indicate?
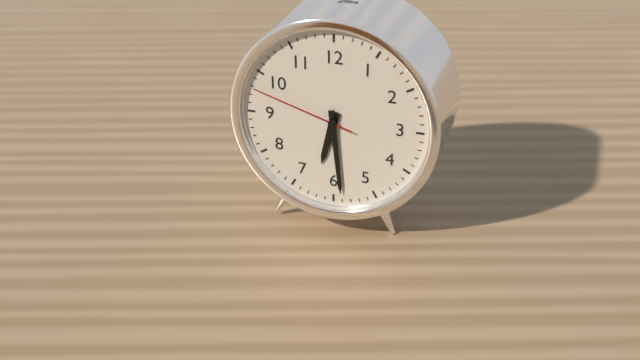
6:29:48
